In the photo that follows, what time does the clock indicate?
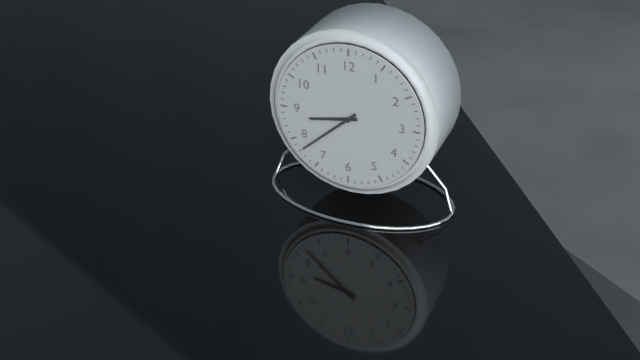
8:38
